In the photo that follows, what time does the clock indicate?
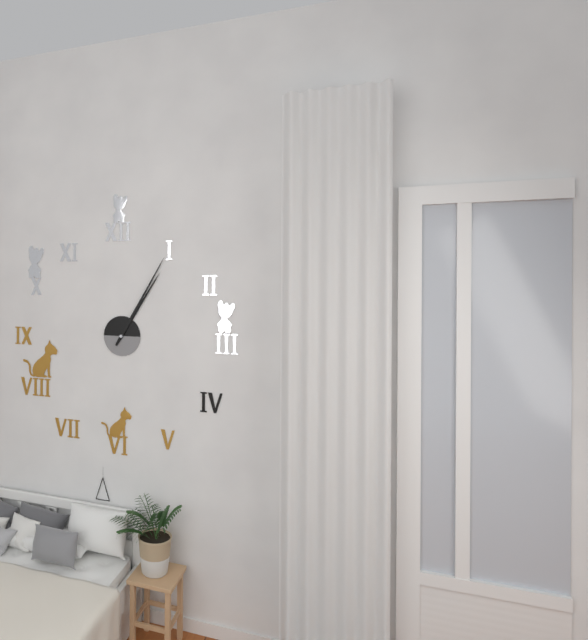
1:05
